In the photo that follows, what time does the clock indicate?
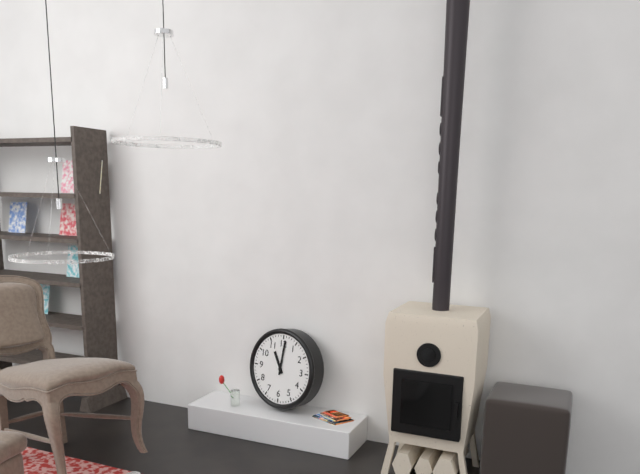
11:01
